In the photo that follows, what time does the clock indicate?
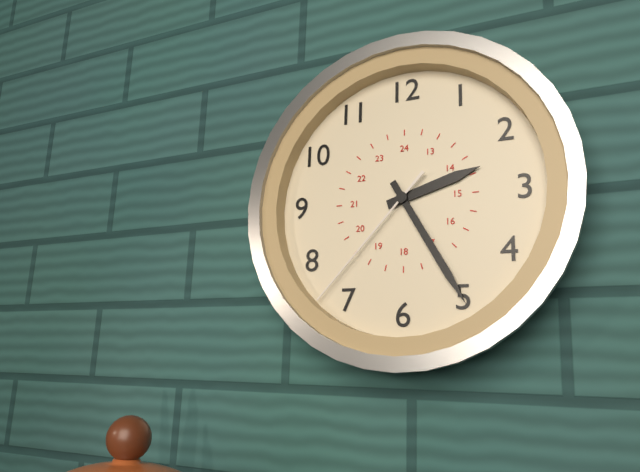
2:25:37
